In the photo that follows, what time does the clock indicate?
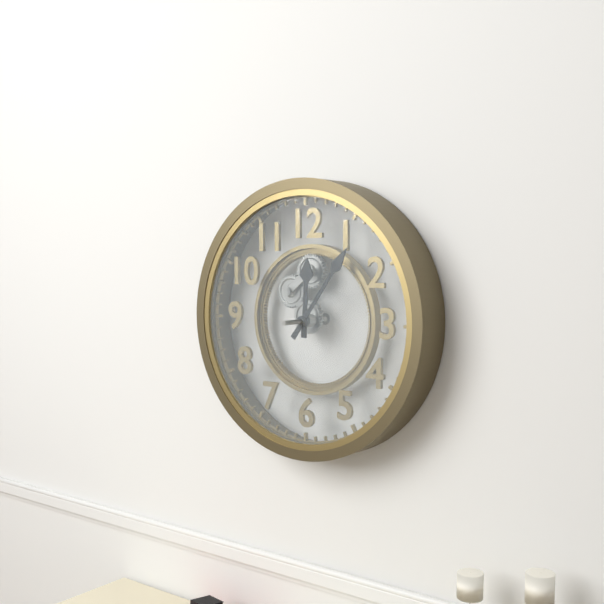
12:06
